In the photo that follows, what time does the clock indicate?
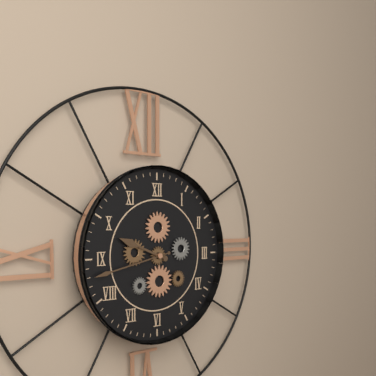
9:43
